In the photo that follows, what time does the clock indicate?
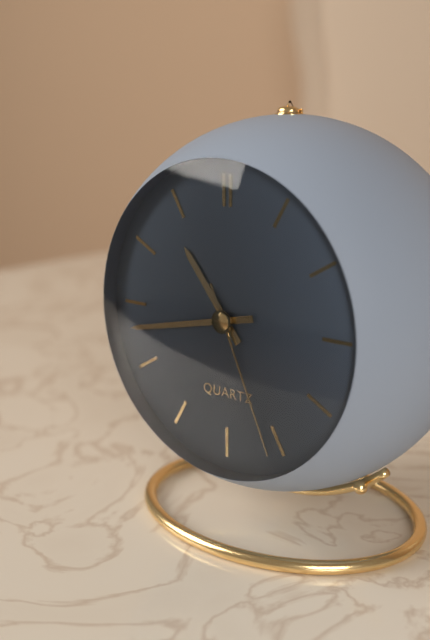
10:43:26
